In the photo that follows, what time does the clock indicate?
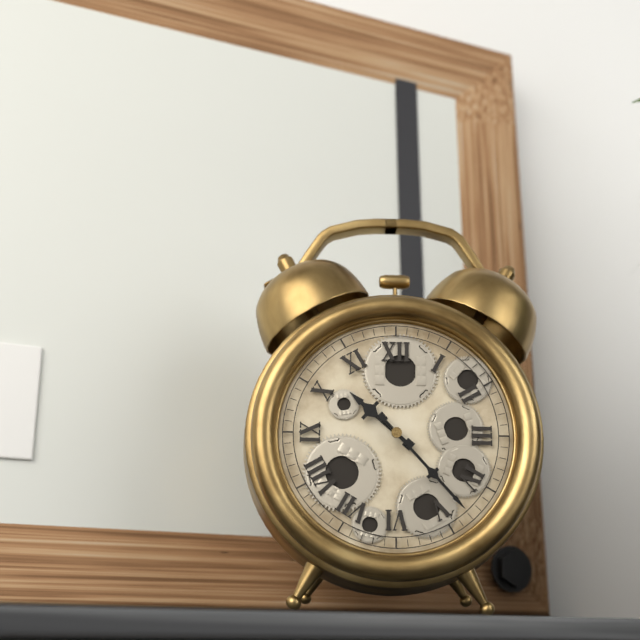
10:23
